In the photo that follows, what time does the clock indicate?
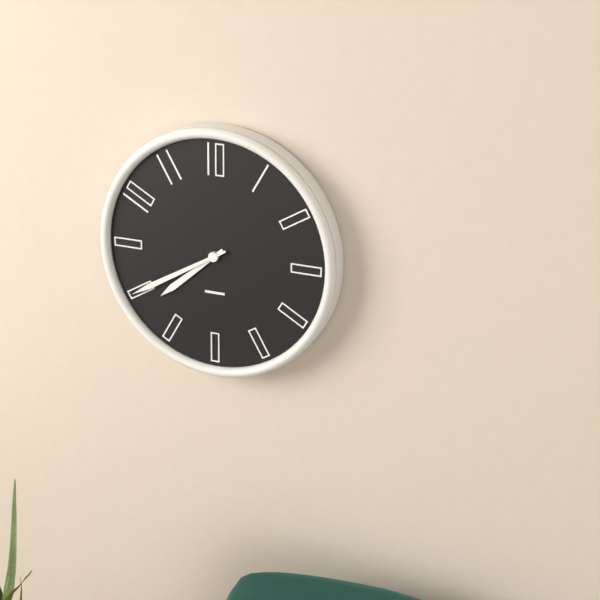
7:40
